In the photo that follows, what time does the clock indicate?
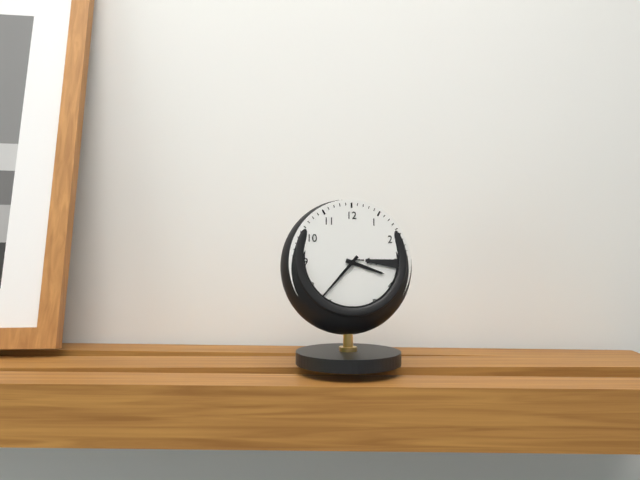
3:37
